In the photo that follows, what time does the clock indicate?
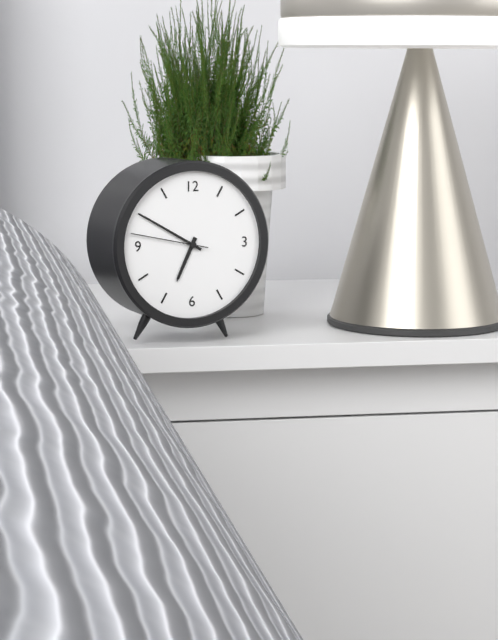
6:50:47
